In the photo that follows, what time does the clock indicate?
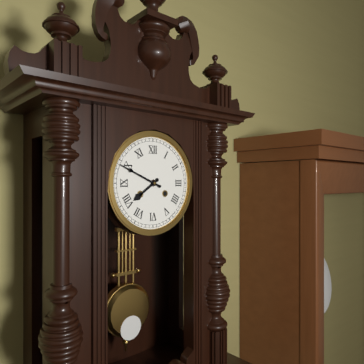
7:49
